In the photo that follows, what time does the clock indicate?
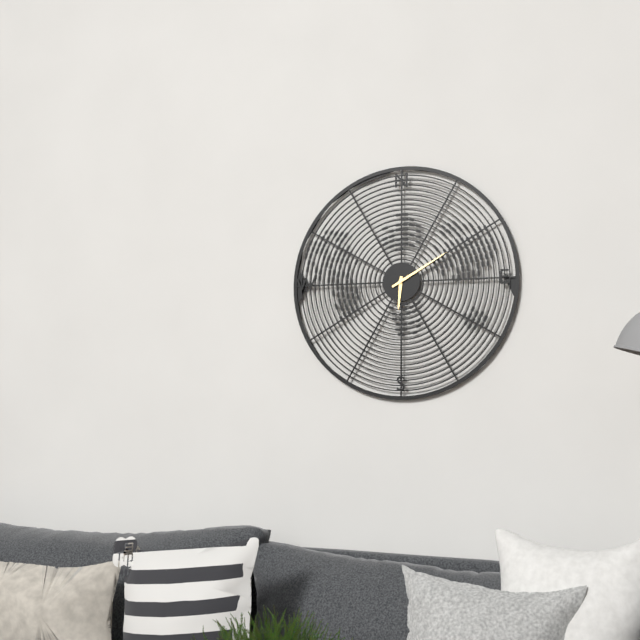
6:10
